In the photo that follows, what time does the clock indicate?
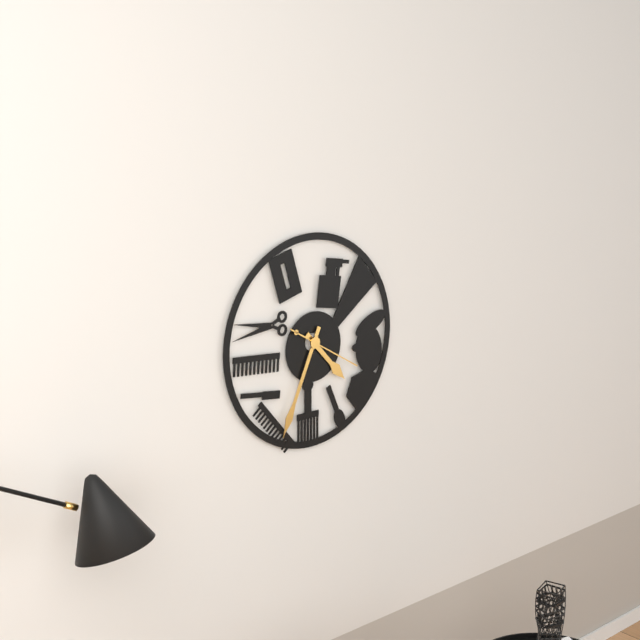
4:34:20
